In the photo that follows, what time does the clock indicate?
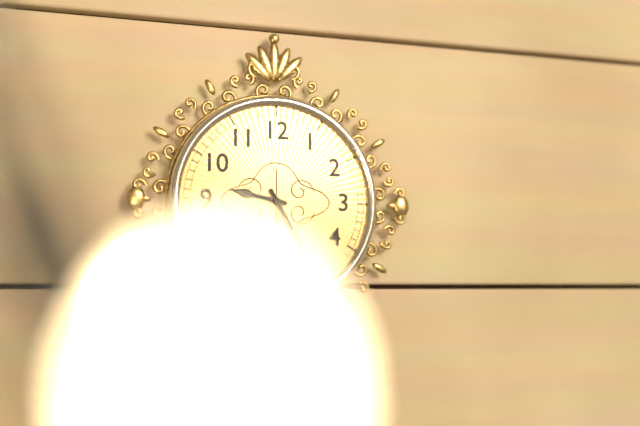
9:25
